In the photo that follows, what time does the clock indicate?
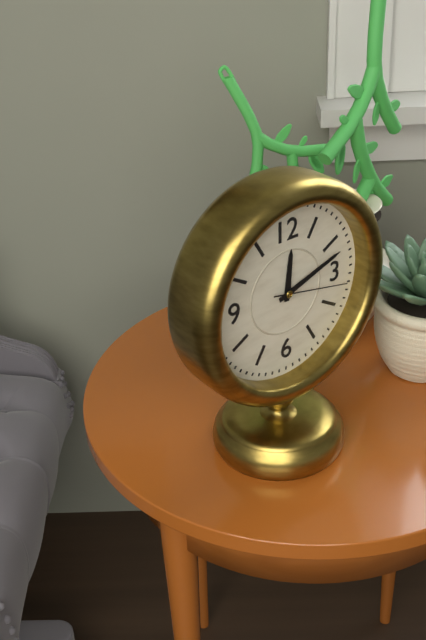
12:12:17
